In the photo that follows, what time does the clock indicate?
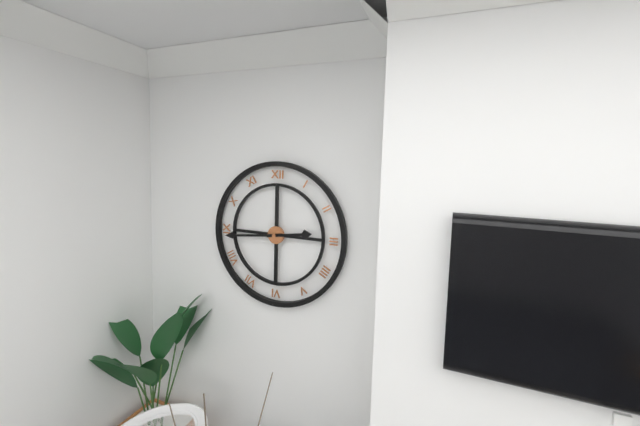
2:44
